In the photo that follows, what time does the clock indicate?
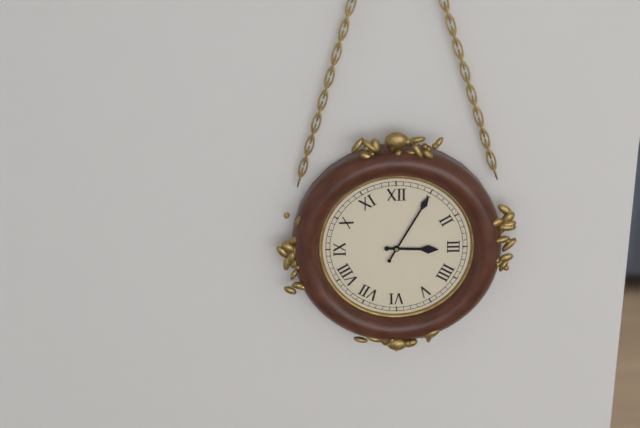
3:05
